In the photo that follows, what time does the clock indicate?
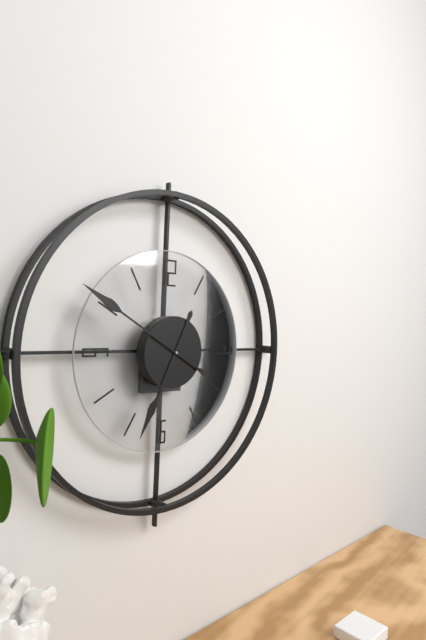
6:50
